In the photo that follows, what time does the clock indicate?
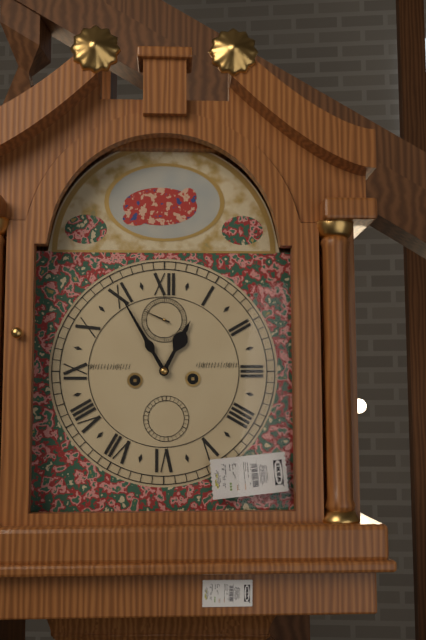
12:55
